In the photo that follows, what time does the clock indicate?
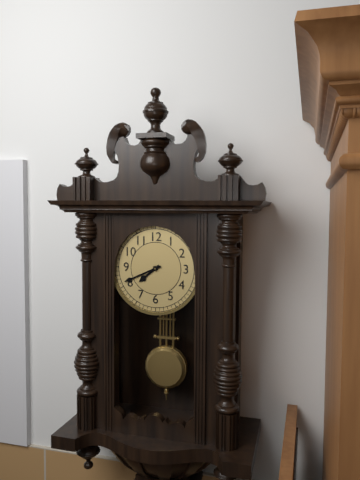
7:41
